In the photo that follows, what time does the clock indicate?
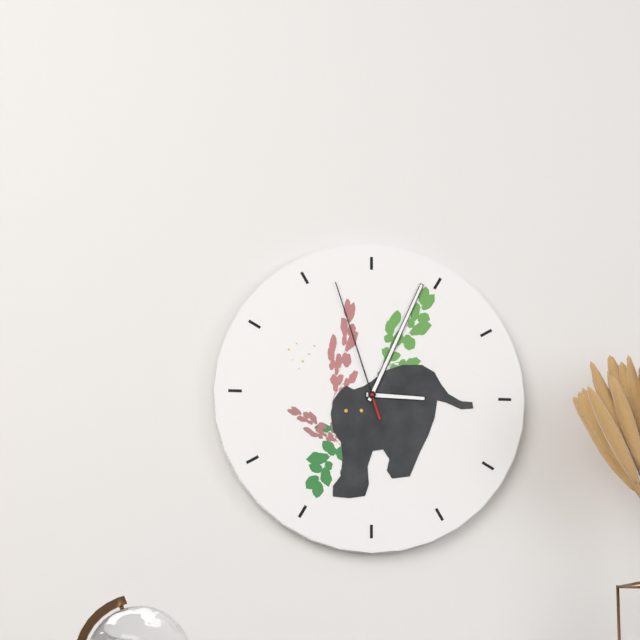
3:04:57
